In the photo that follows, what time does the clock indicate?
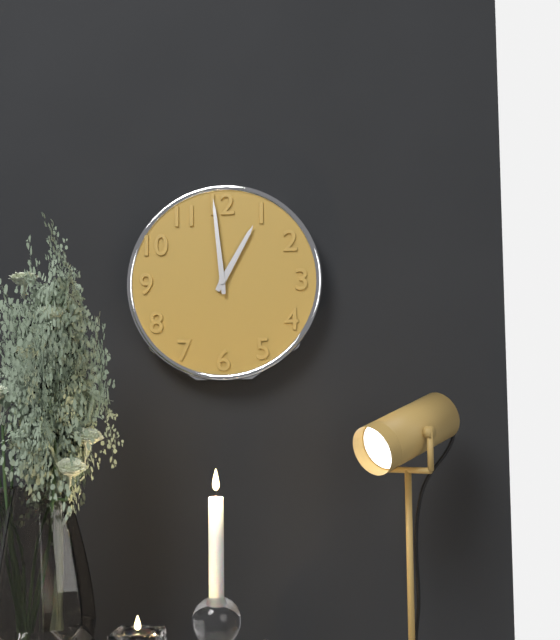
12:59
